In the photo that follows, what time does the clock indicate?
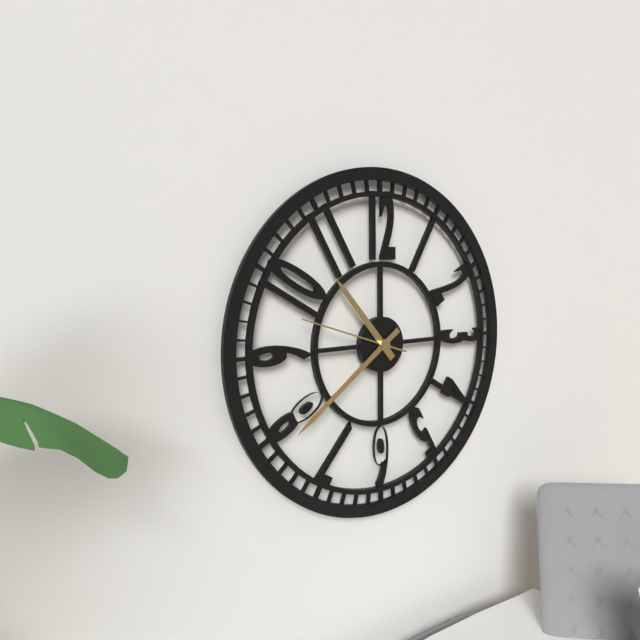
10:39:48
